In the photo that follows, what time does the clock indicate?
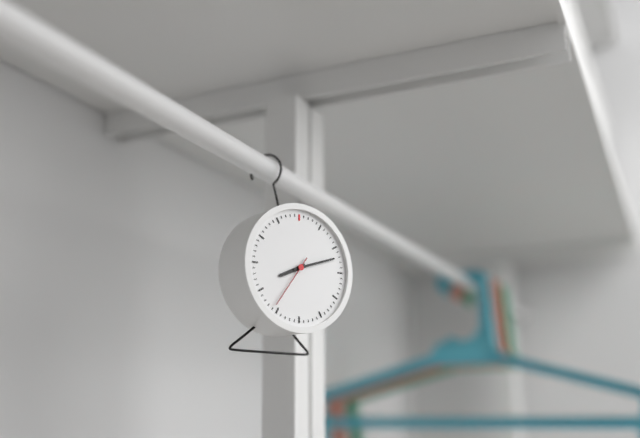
8:12:36
